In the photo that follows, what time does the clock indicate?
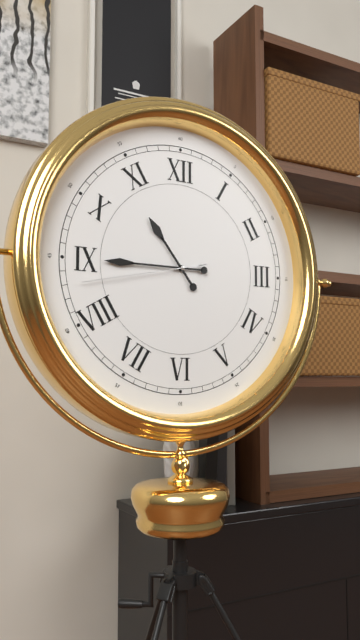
10:45:43
